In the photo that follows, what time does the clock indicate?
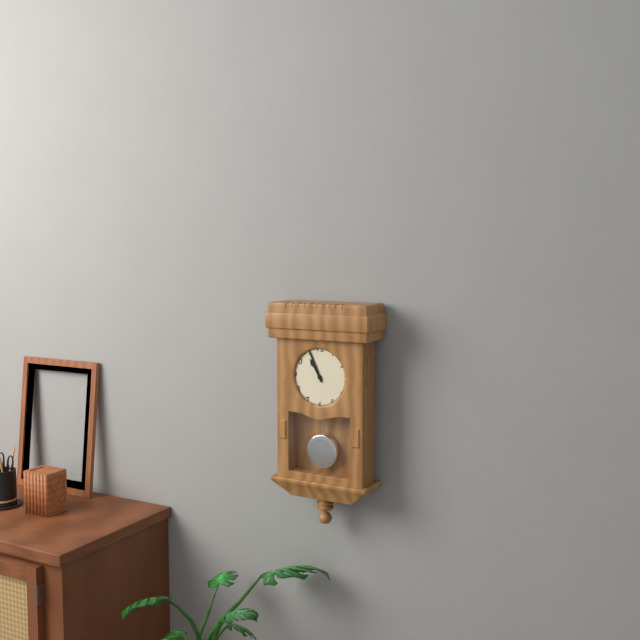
10:56
